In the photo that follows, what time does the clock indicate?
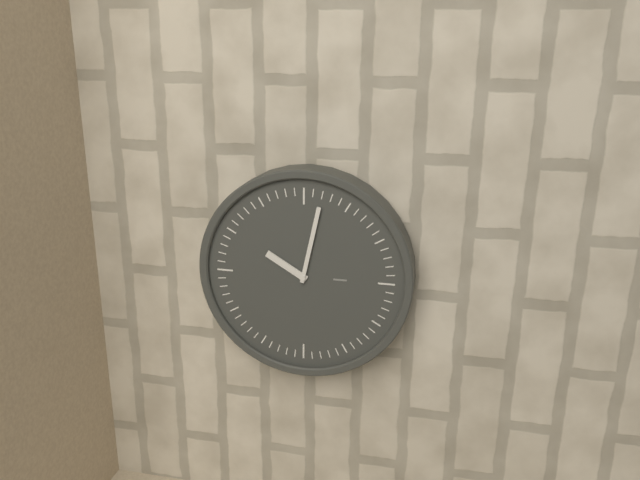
10:02
